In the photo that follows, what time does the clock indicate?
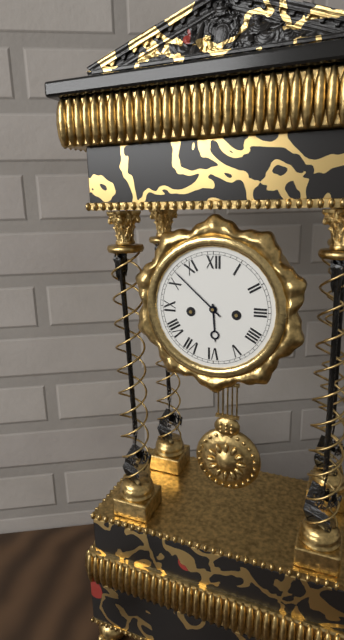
5:52
